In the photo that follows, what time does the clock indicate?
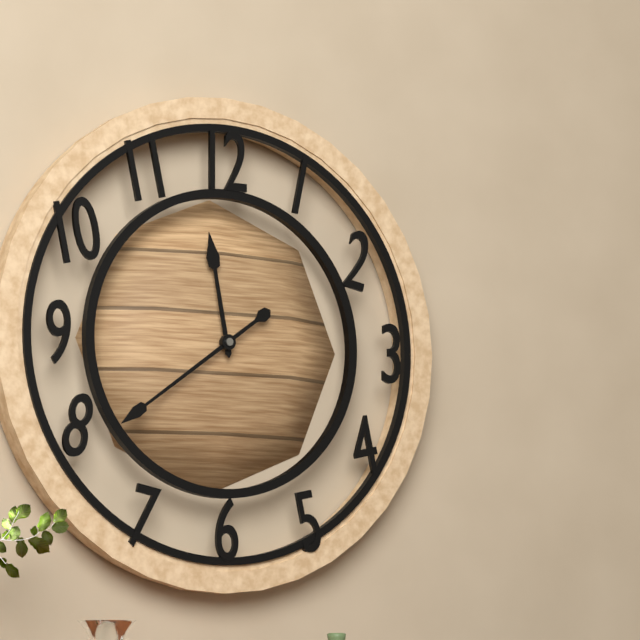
11:39
